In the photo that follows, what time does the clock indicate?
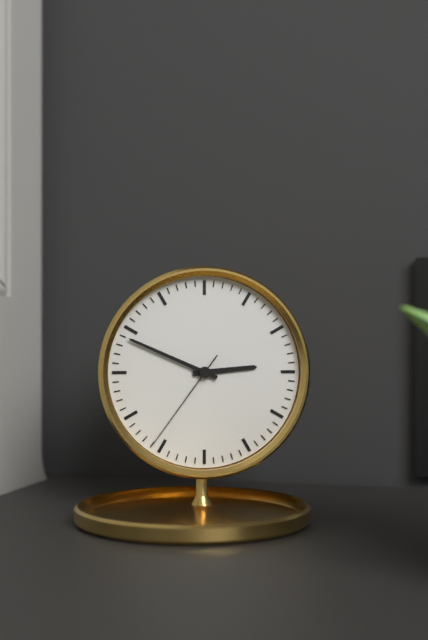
2:49:36
